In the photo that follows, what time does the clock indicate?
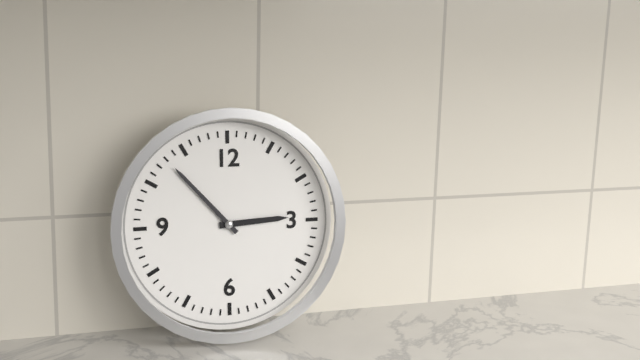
2:53
